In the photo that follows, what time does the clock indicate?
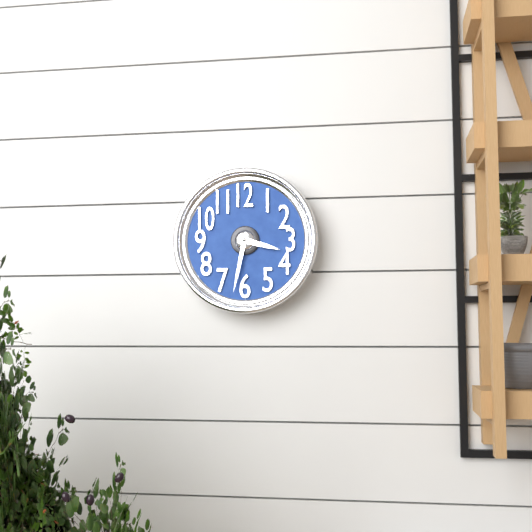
3:32
